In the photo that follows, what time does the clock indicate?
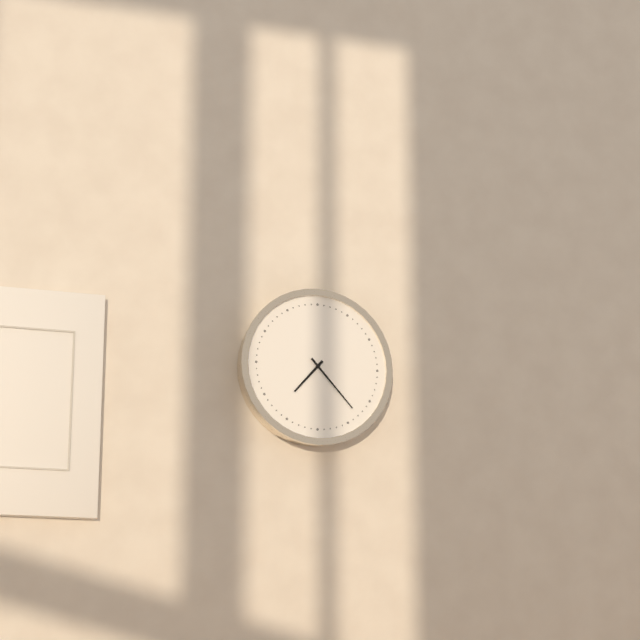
7:23
